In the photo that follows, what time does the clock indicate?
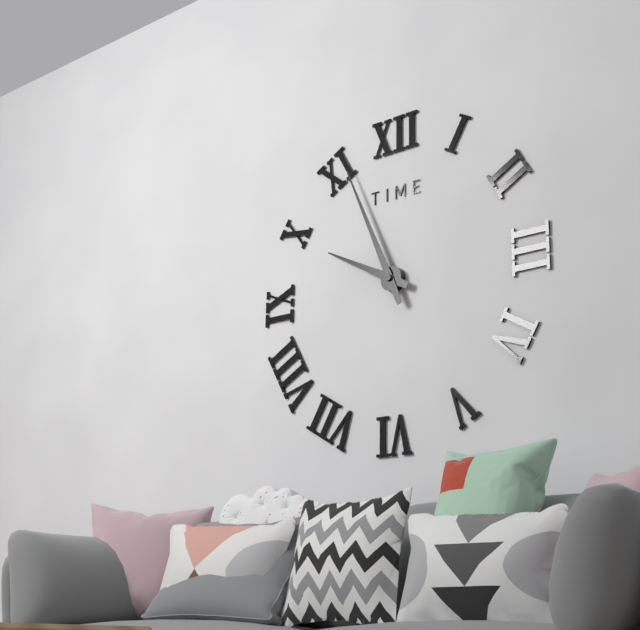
9:56
